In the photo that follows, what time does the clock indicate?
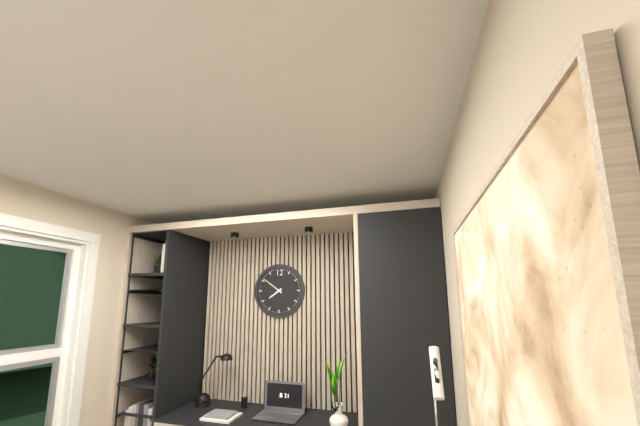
7:51
